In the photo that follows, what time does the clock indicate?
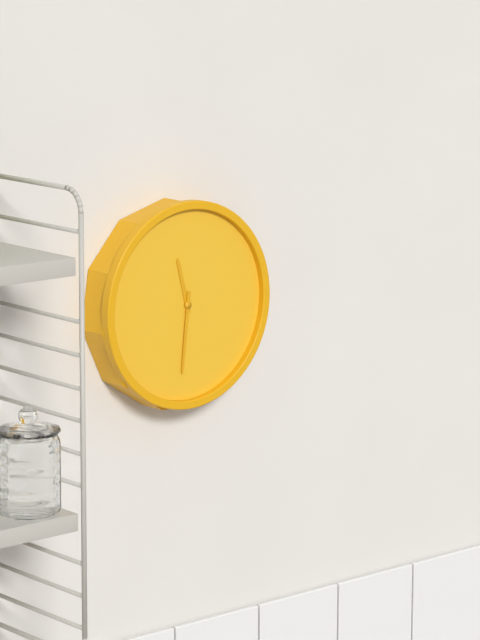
11:31
